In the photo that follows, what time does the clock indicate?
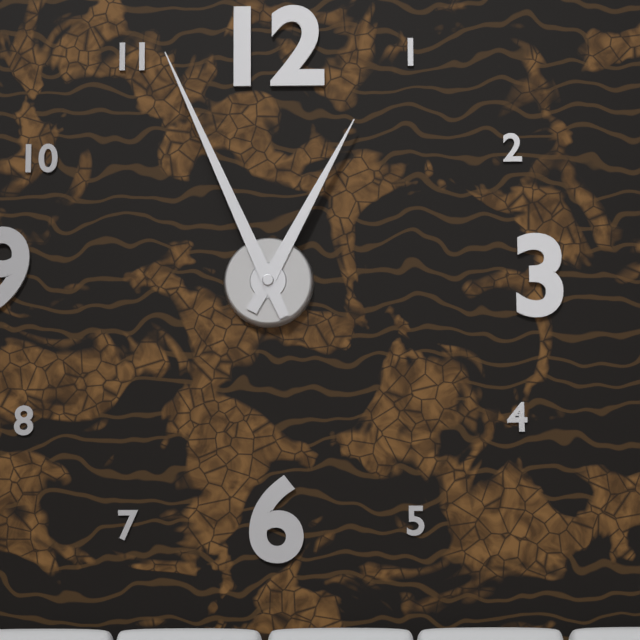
12:56
